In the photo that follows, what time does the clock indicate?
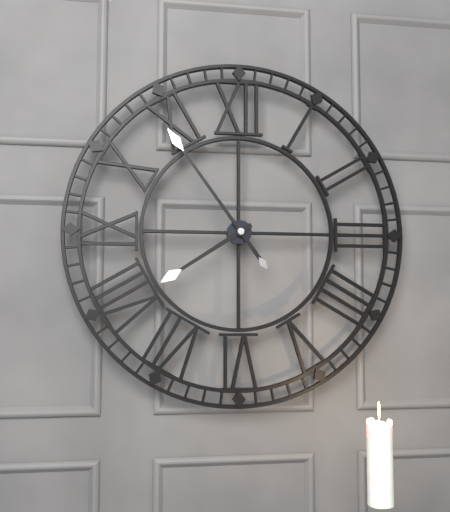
7:54
